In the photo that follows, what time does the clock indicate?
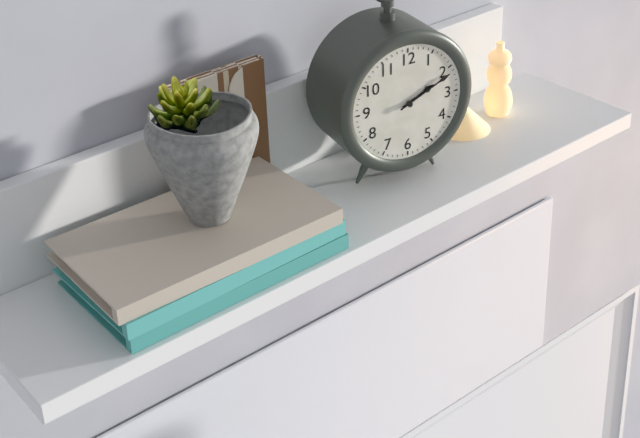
2:11
